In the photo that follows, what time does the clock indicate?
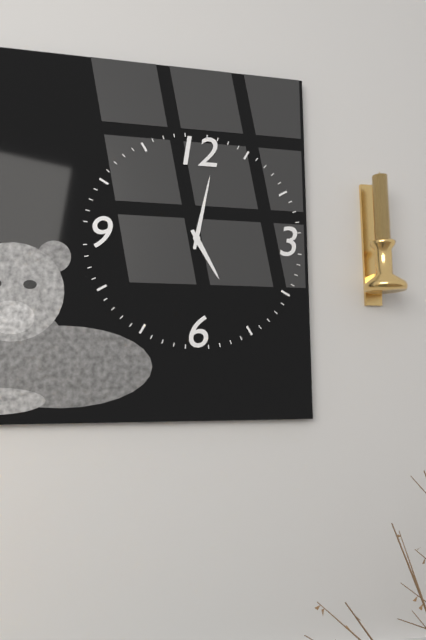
5:02
